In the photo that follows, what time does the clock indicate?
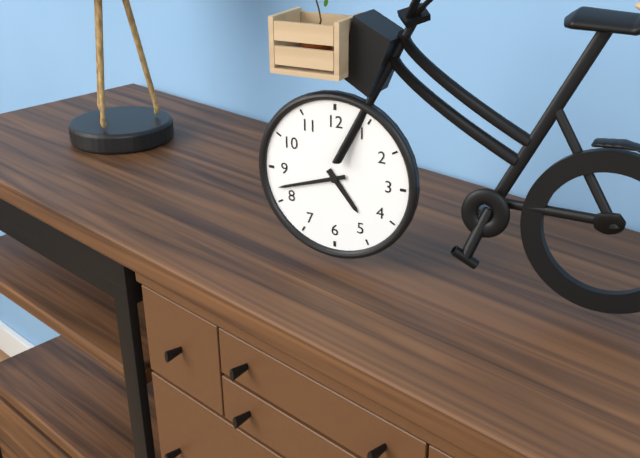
4:42
